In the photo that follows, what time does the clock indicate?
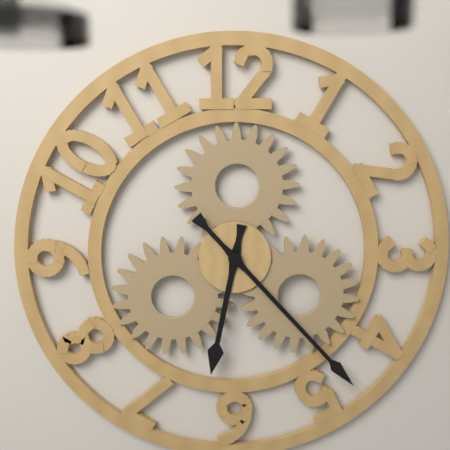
6:23
